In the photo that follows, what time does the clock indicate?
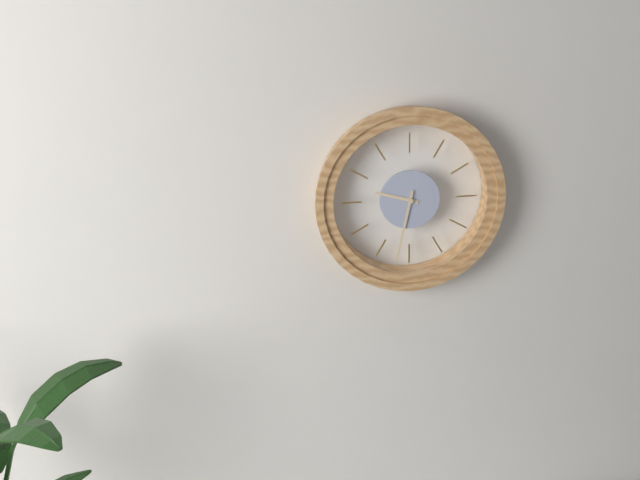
9:32
